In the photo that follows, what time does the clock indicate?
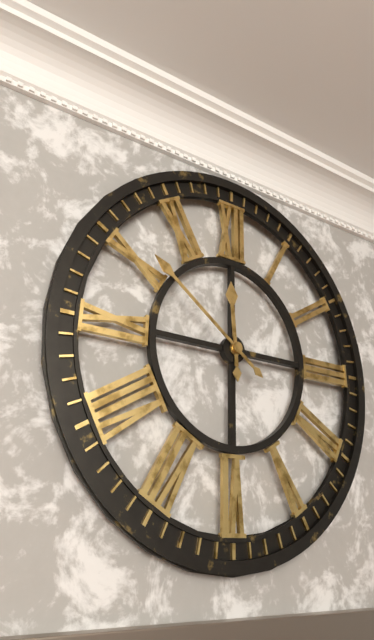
11:51
